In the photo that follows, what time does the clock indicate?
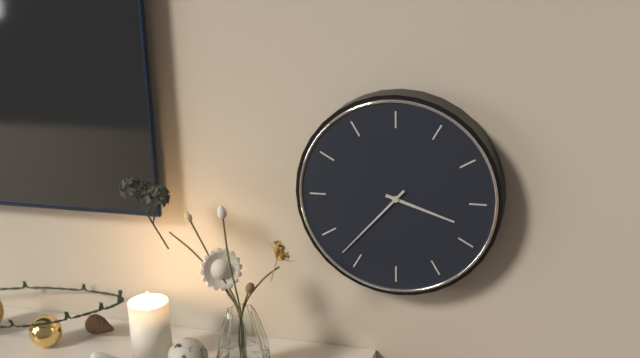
3:37
